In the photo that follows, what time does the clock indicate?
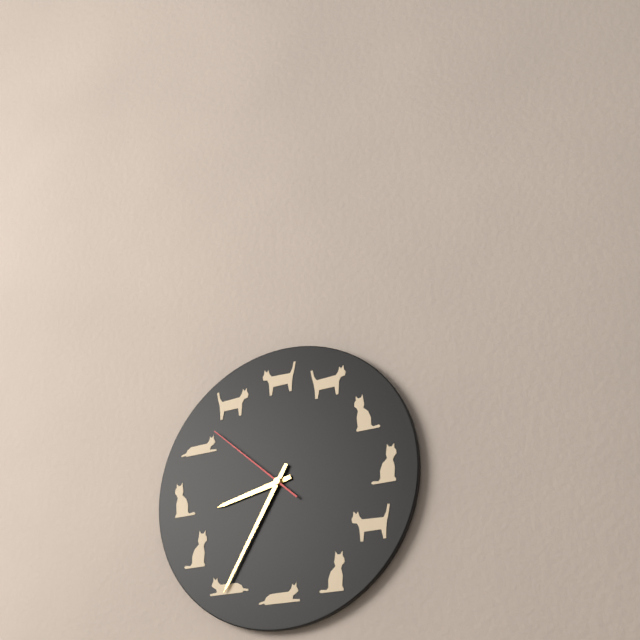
8:35:52
